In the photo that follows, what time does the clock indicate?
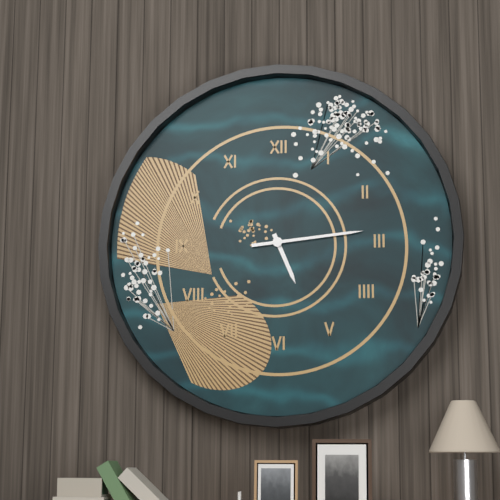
5:14
